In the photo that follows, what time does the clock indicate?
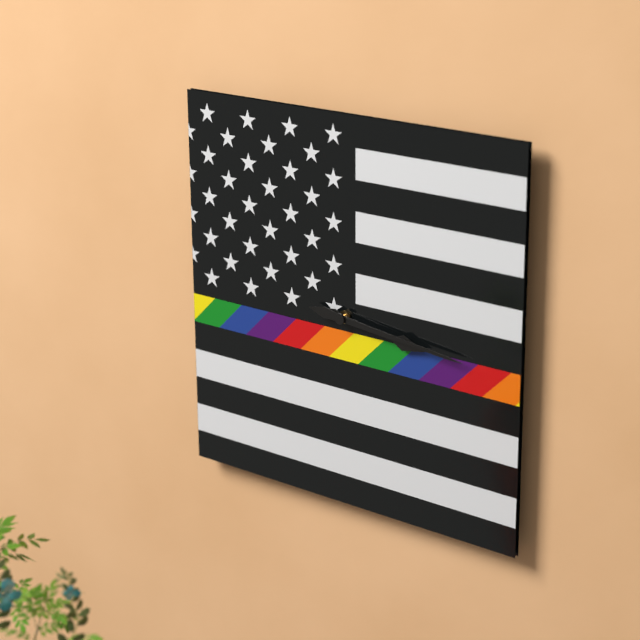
3:16
